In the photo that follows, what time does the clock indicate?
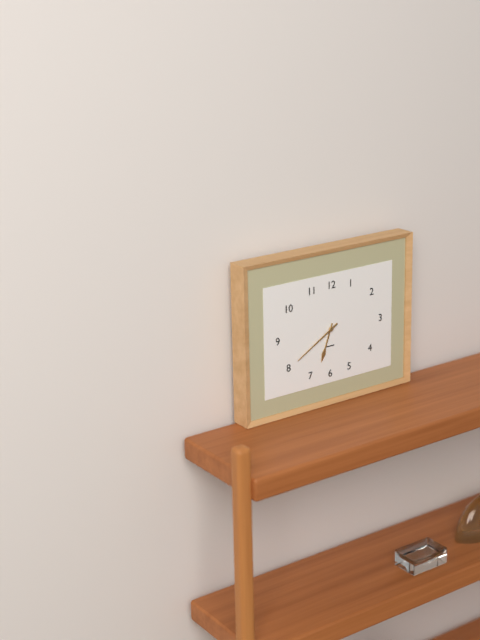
6:40
